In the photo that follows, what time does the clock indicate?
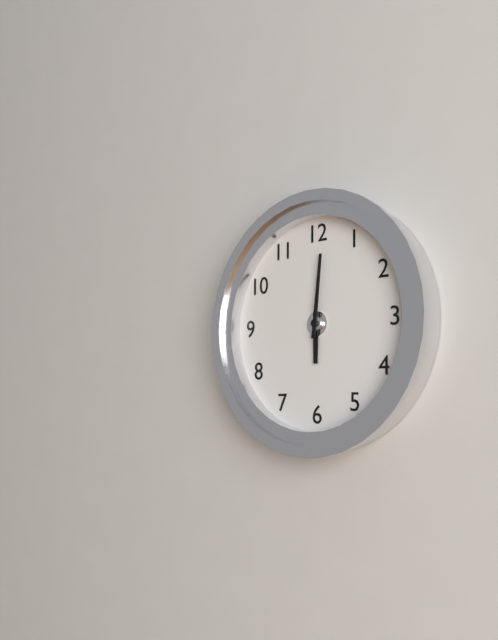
6:01
